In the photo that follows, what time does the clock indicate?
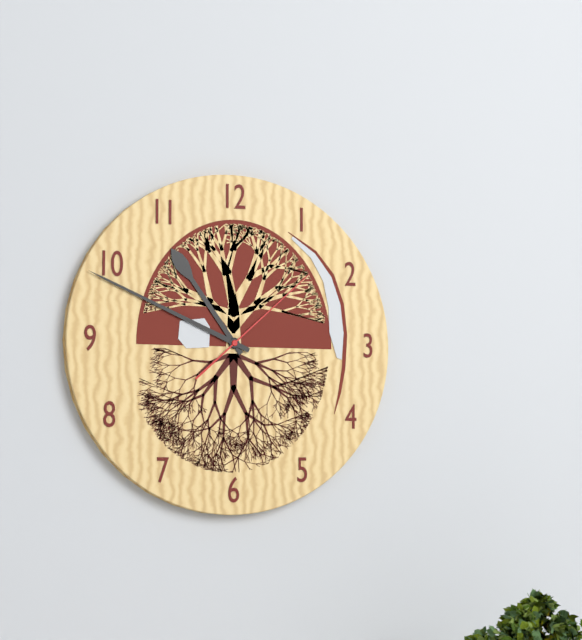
10:49:08
